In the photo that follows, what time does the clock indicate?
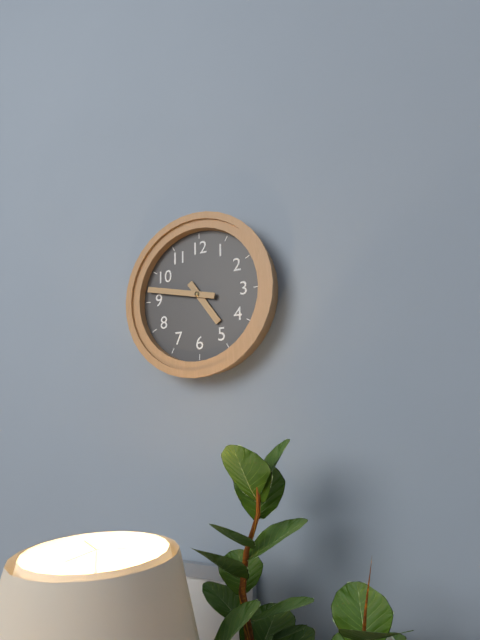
4:47
